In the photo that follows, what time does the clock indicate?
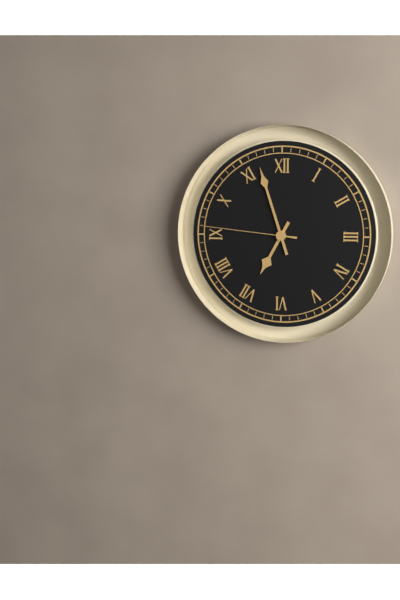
6:57:46
